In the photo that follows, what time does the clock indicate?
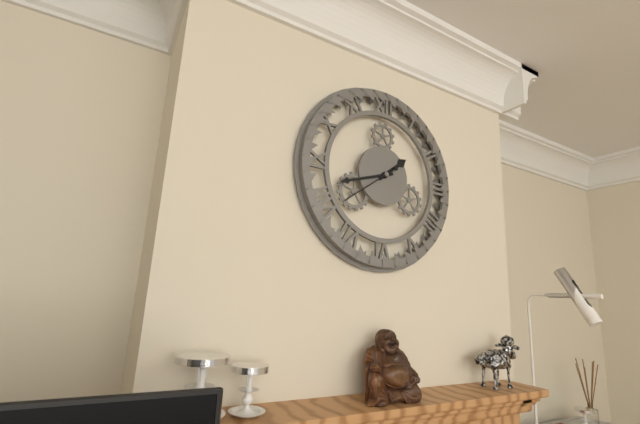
1:42:39
